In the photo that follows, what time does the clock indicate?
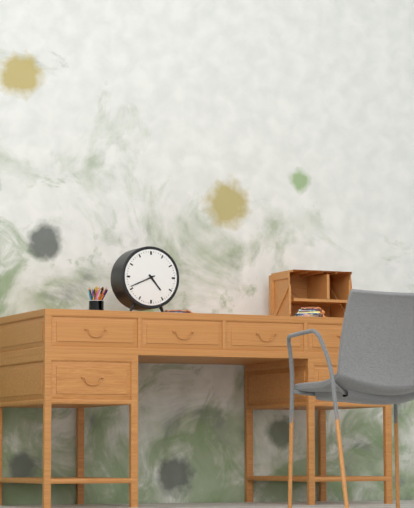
4:41
